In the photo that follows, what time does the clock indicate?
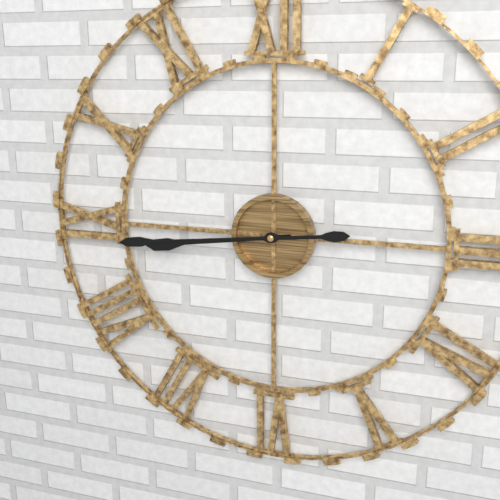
8:44
